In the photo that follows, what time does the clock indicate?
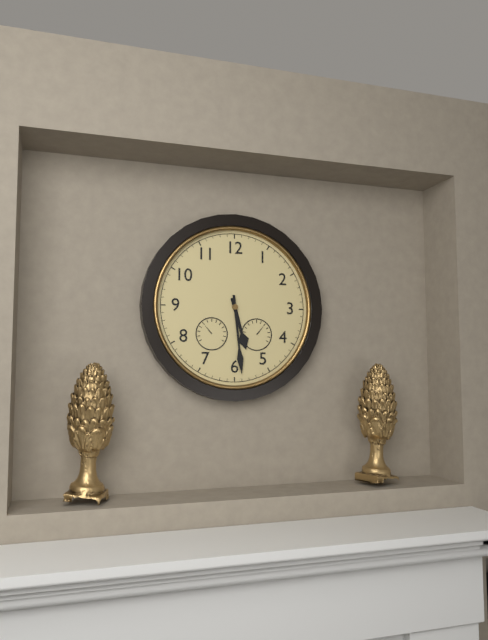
5:29
